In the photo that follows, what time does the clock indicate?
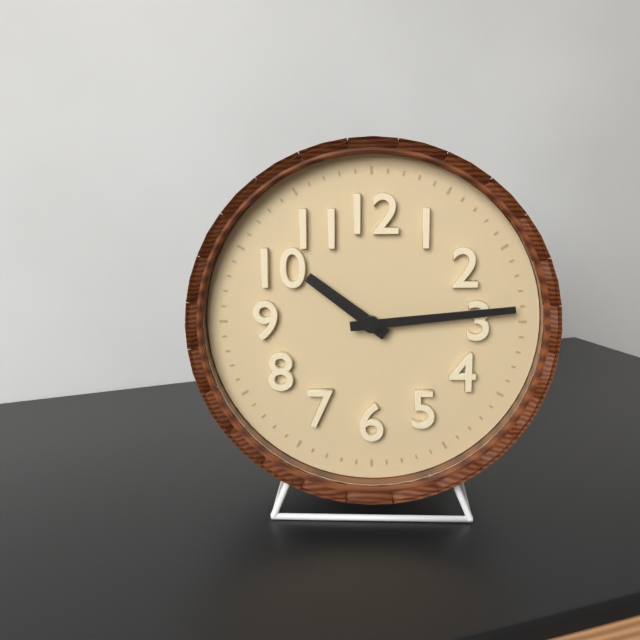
10:14
